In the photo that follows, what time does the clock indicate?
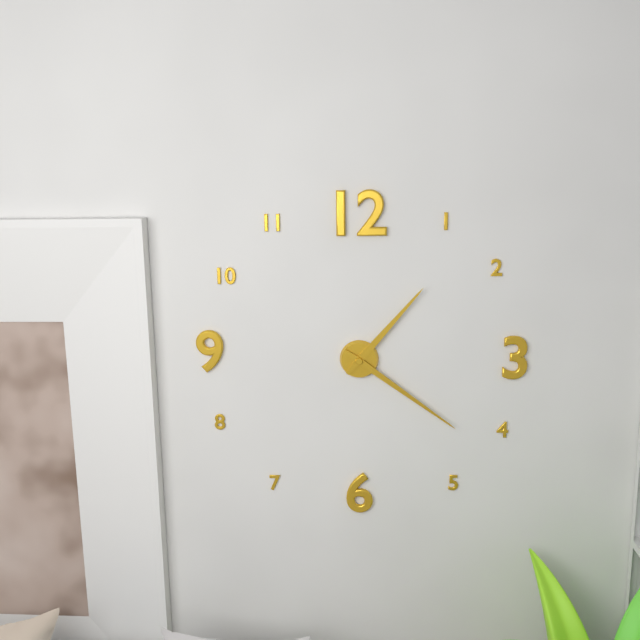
1:21
